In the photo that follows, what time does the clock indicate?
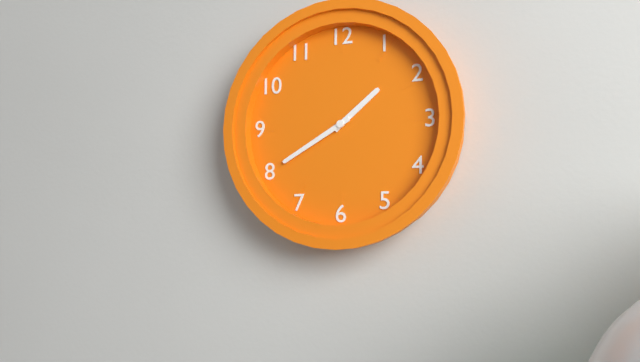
1:40
